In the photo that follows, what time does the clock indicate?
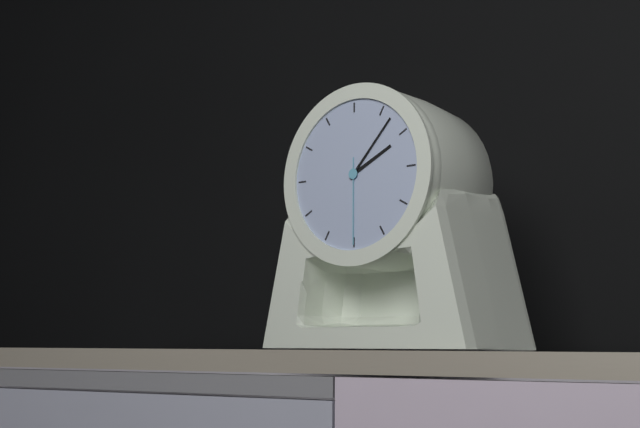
2:07:30
